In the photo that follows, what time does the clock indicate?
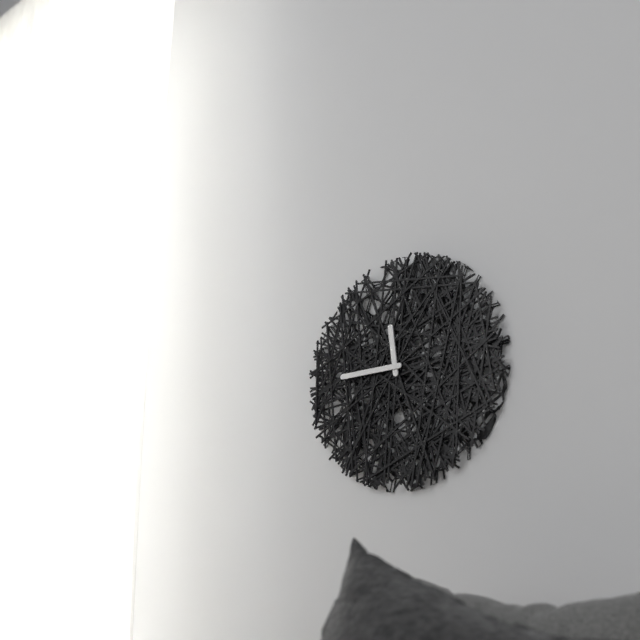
11:45
